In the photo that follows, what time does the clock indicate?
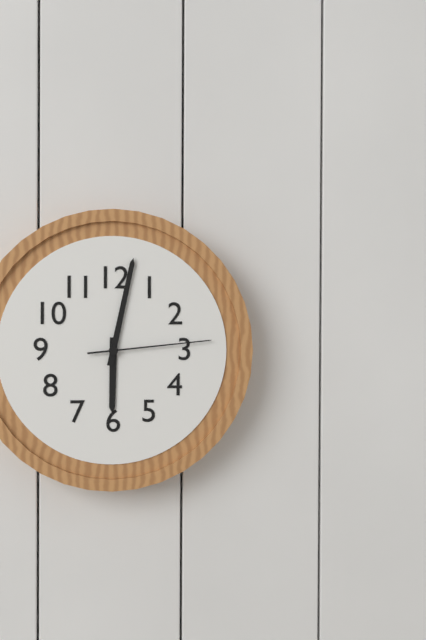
6:02:14
